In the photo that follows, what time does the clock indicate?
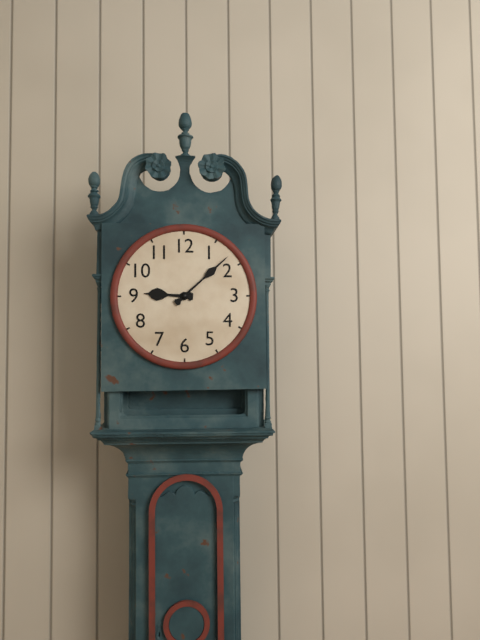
9:08
